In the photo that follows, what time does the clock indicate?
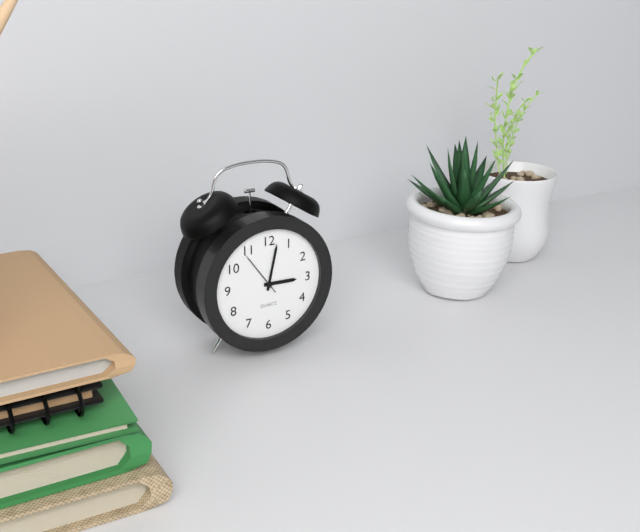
3:02
